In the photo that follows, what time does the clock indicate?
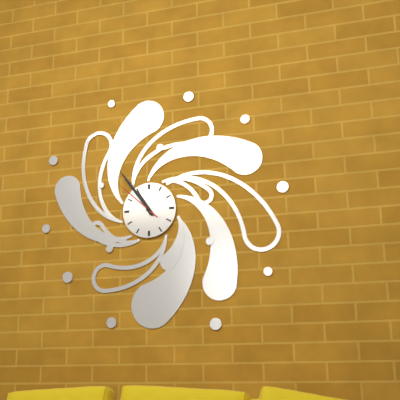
10:54:52
